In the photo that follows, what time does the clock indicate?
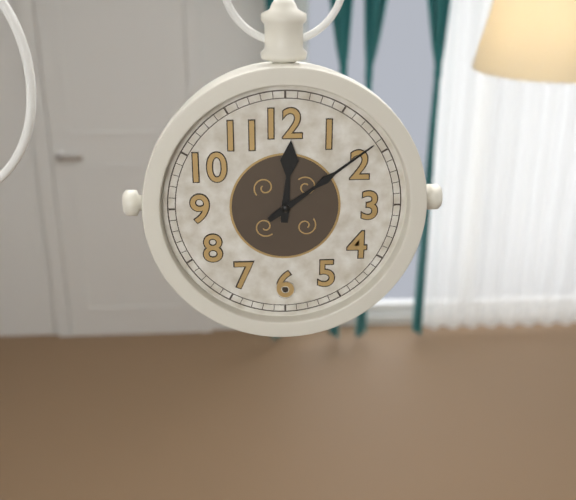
12:09
